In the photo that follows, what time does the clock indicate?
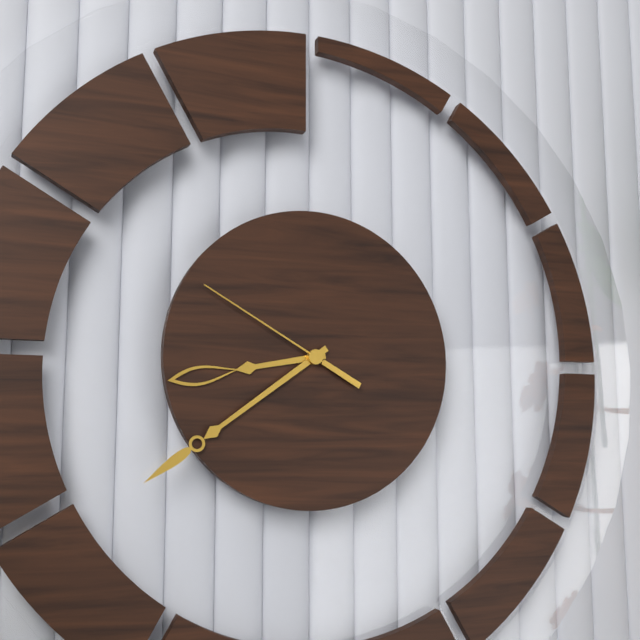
8:39:50
